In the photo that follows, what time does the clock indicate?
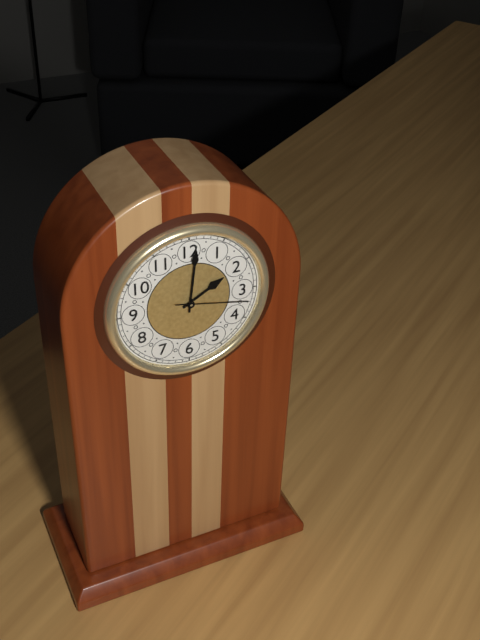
2:01:17
